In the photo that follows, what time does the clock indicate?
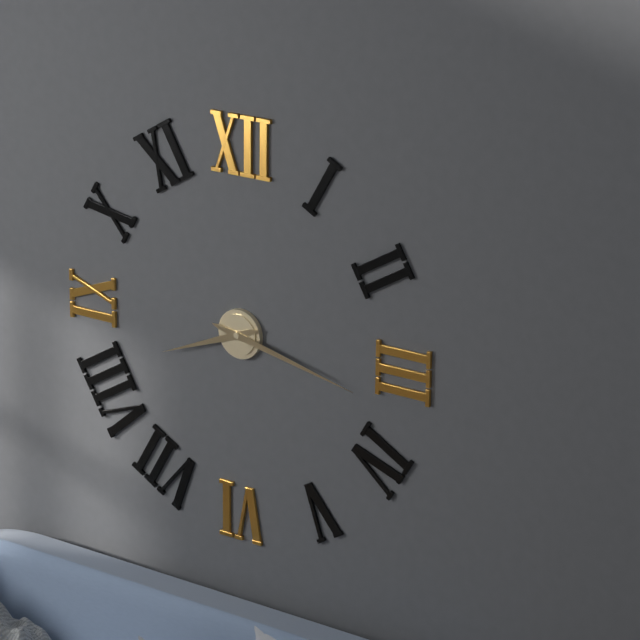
8:17
